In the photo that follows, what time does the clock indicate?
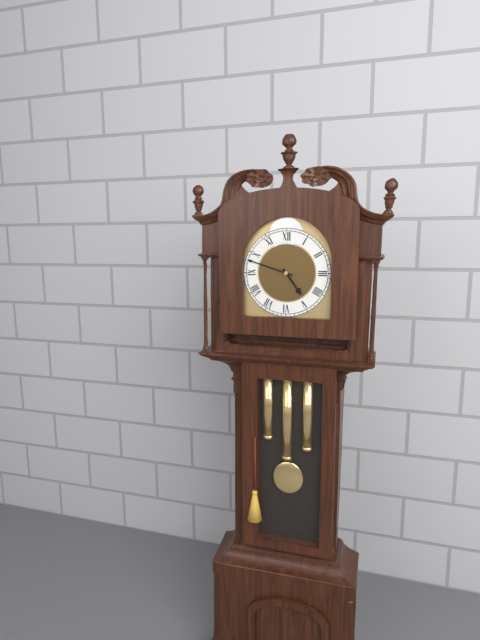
4:48
